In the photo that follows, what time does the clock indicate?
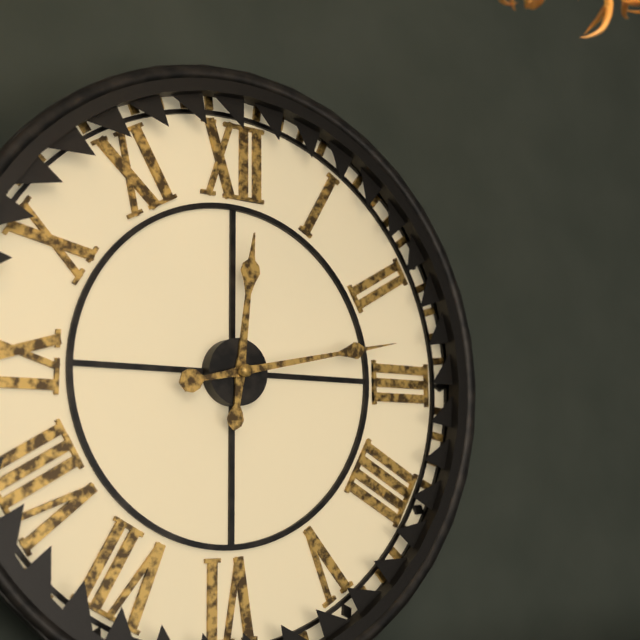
12:13
